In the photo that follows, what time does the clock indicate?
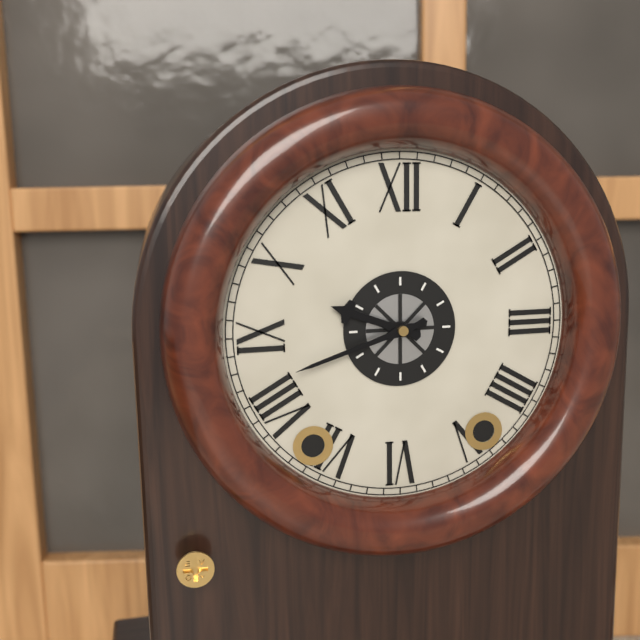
9:42
